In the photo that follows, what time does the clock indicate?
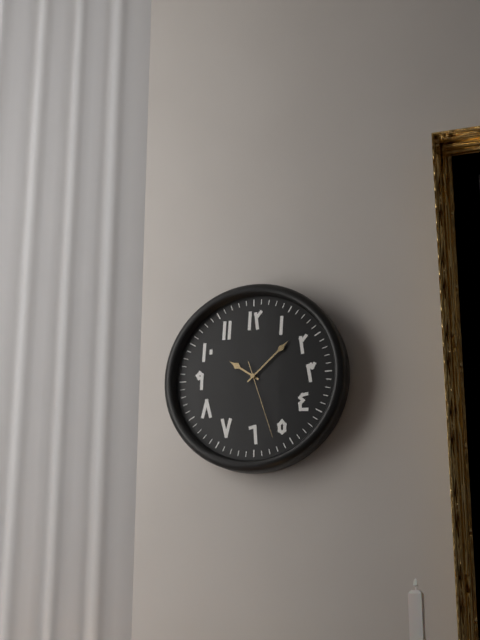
10:08:27
